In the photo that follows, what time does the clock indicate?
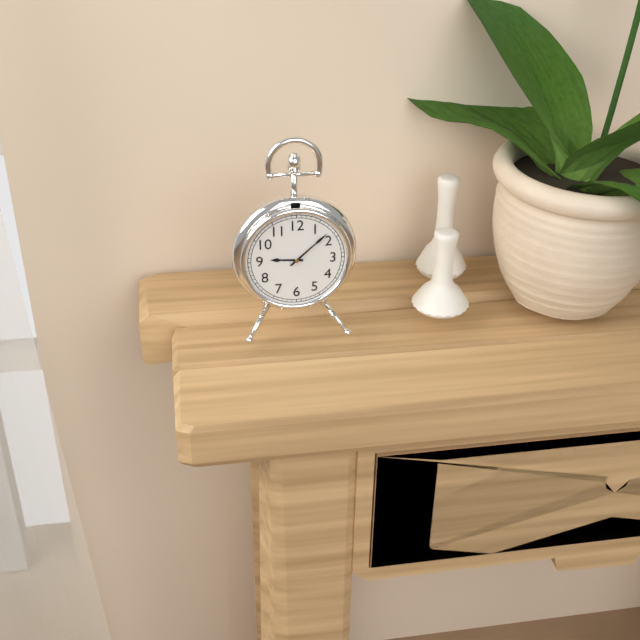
9:08
